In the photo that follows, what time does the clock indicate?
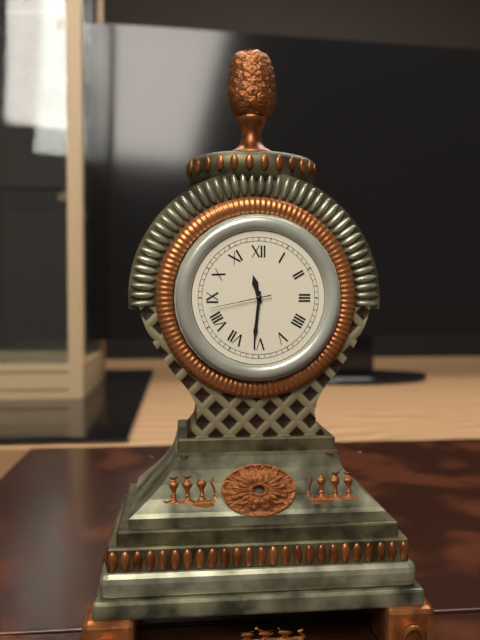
11:31:43
